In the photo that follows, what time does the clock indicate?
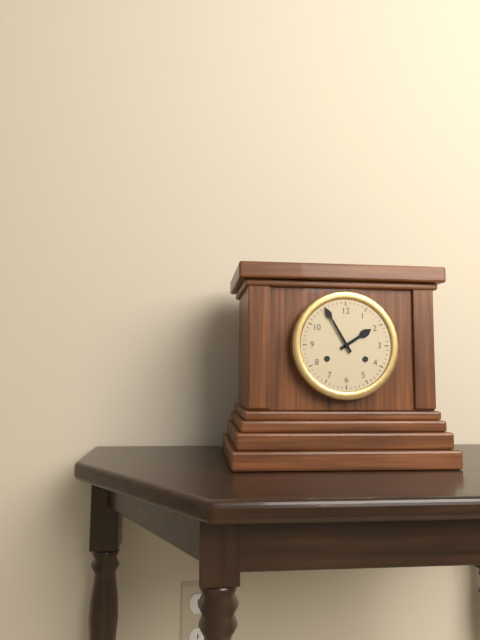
1:55
